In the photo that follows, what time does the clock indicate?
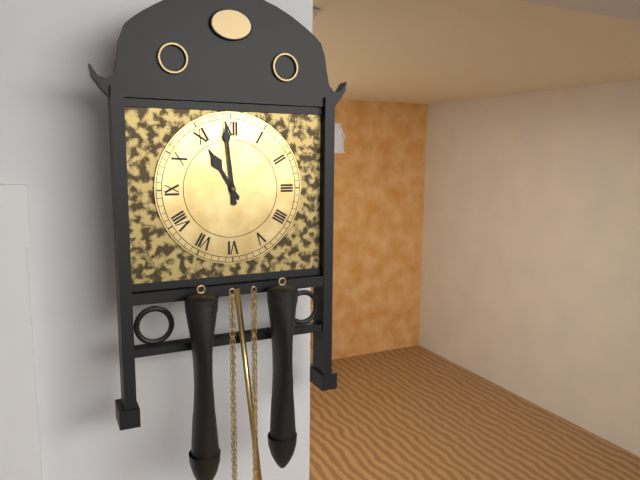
10:59
